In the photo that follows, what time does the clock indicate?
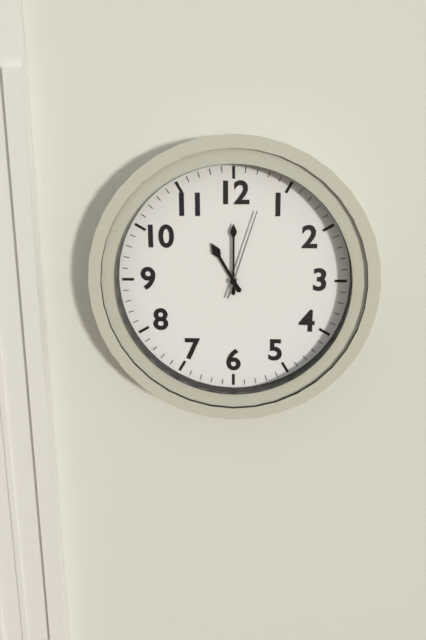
11:00:03
